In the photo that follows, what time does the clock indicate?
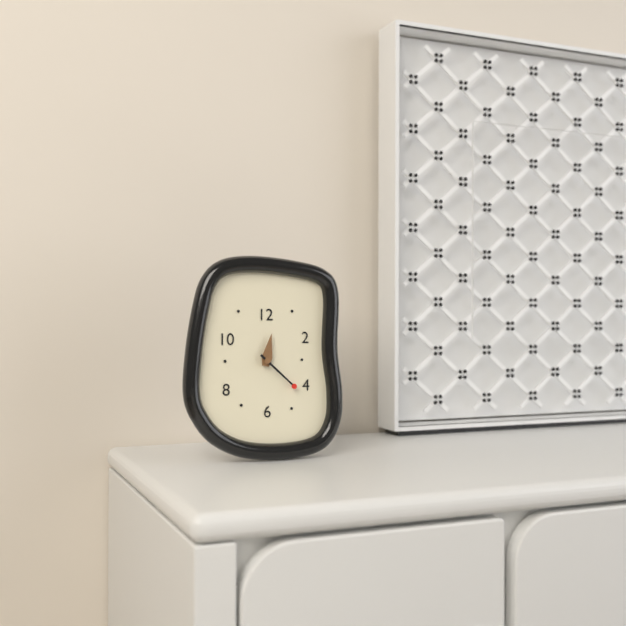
12:22
